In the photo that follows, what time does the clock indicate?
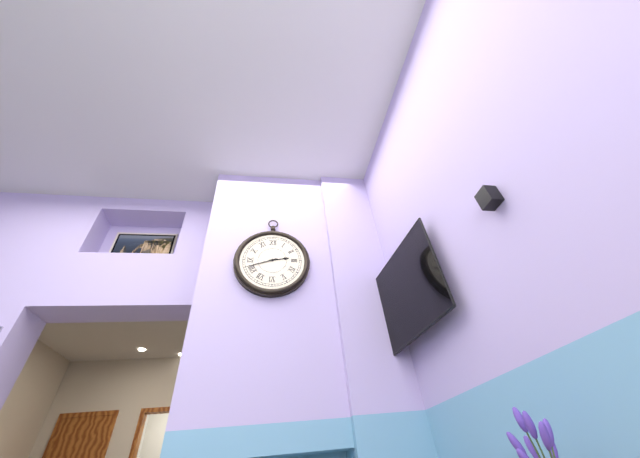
2:42
